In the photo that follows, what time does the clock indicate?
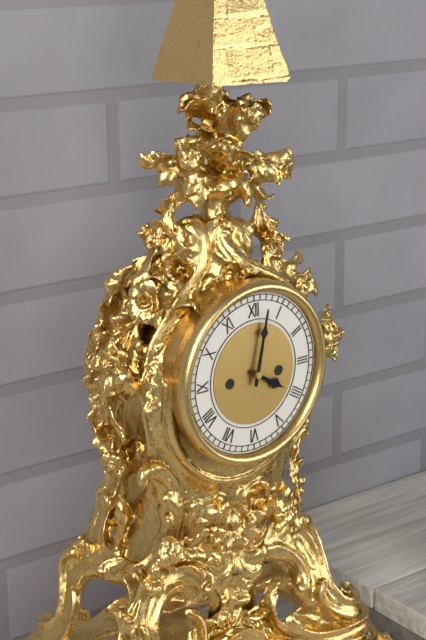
4:02
